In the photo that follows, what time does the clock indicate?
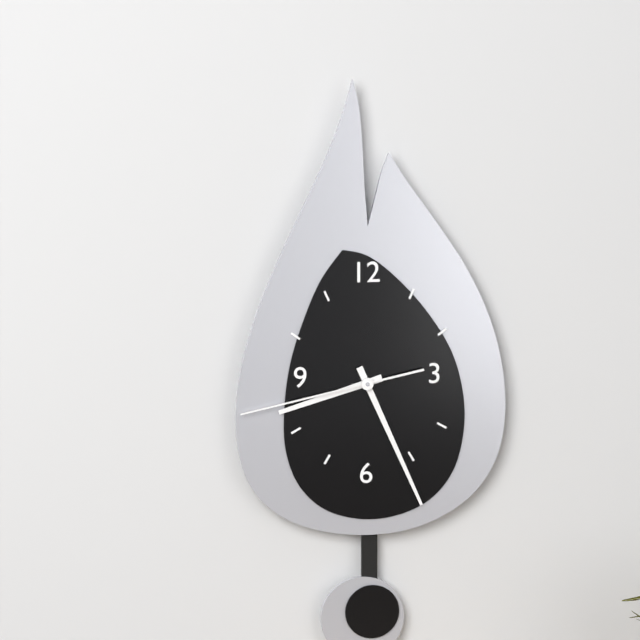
8:26:43
